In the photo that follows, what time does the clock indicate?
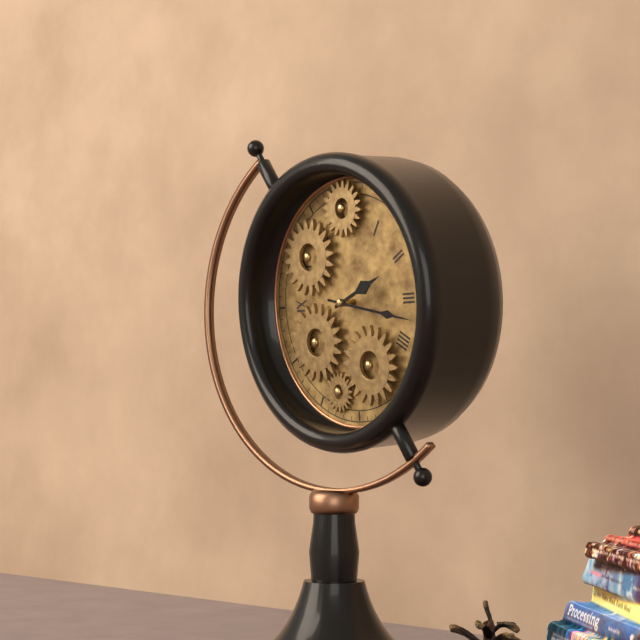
2:17
